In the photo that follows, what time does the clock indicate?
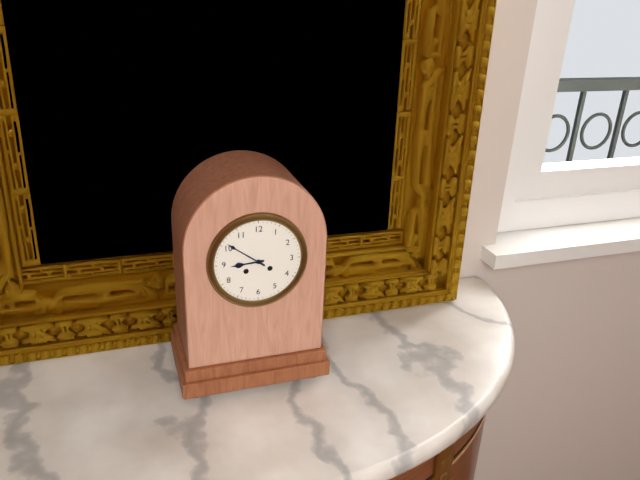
8:51
